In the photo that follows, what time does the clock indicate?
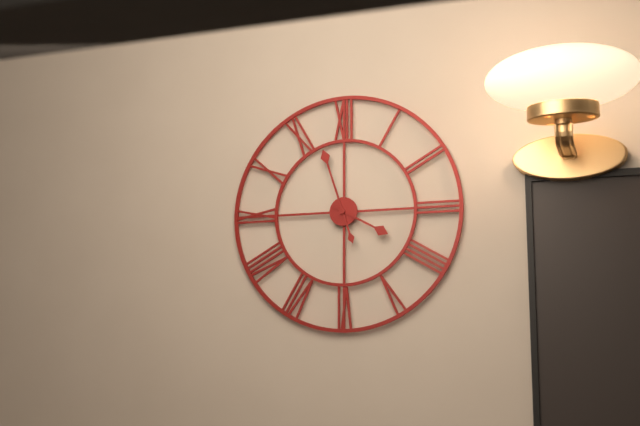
3:57
